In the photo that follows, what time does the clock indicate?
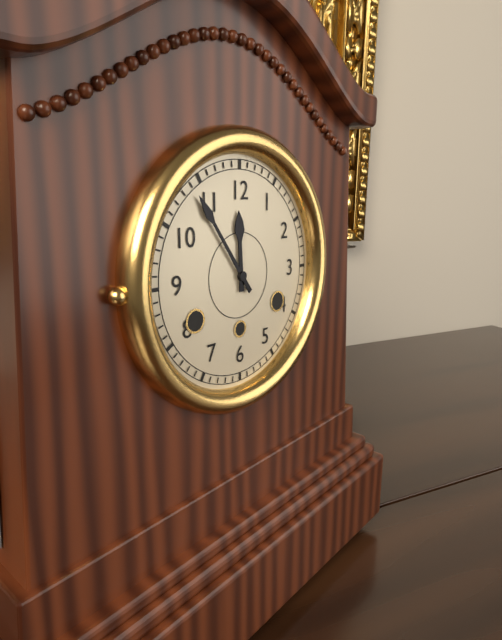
11:54
